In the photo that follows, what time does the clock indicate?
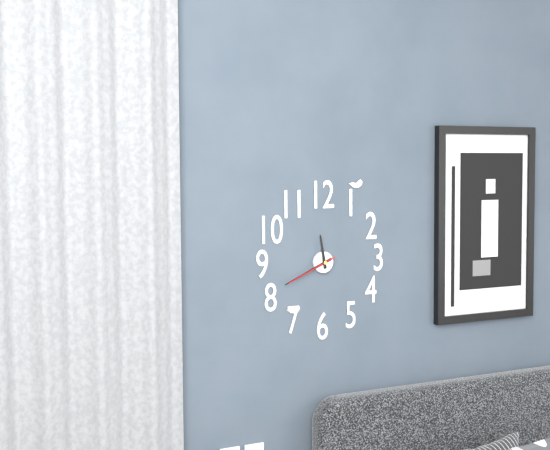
11:41:41
